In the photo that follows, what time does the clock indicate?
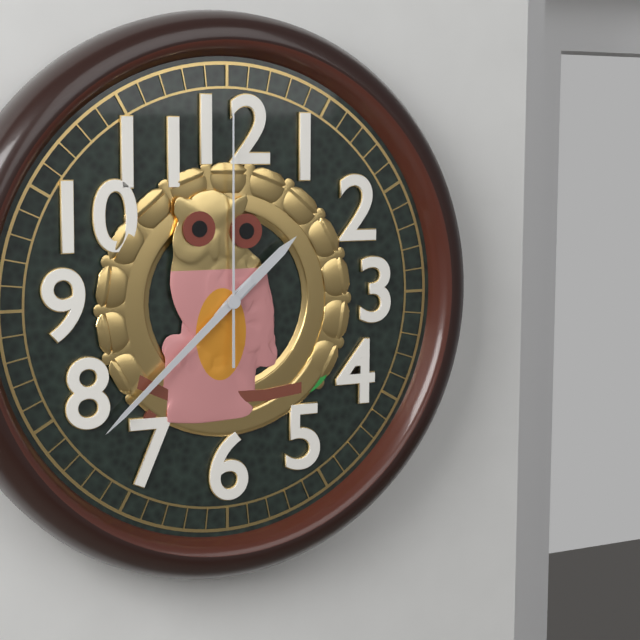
1:38:00
